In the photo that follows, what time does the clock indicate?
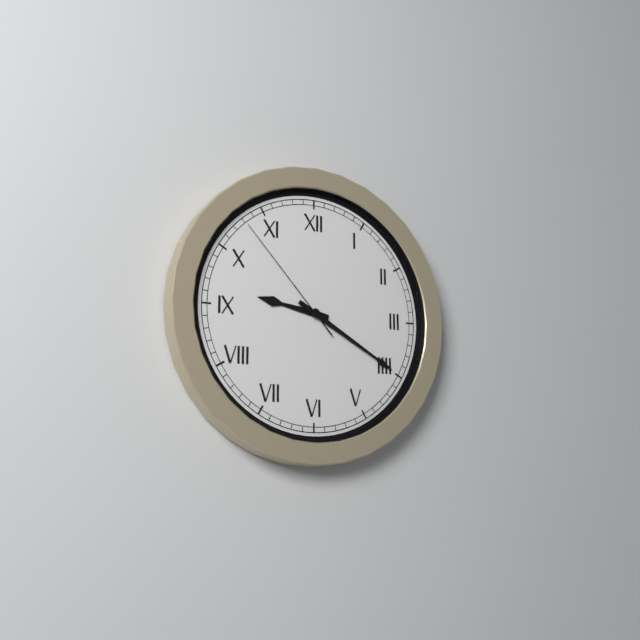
9:20:53
